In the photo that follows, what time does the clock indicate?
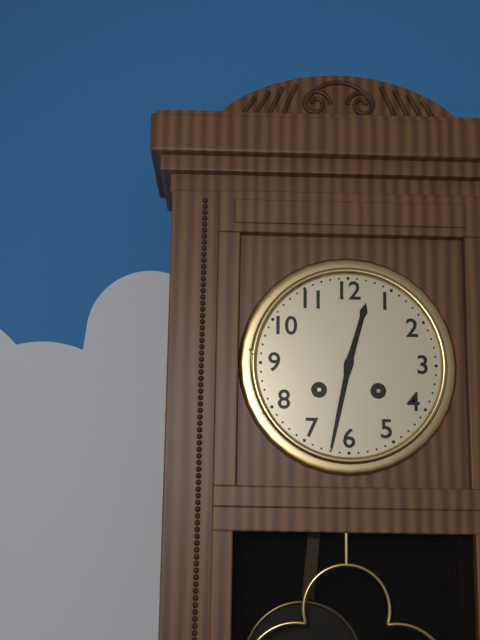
12:32
